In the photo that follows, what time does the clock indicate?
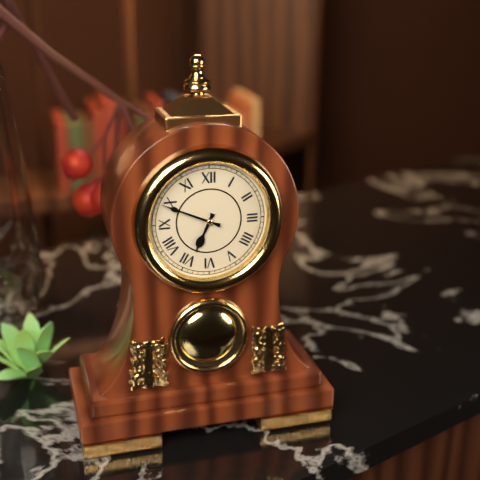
6:49
